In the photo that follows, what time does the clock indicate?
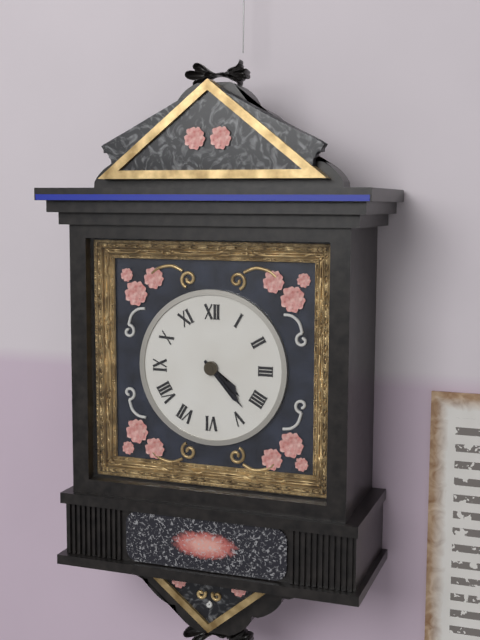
4:23
